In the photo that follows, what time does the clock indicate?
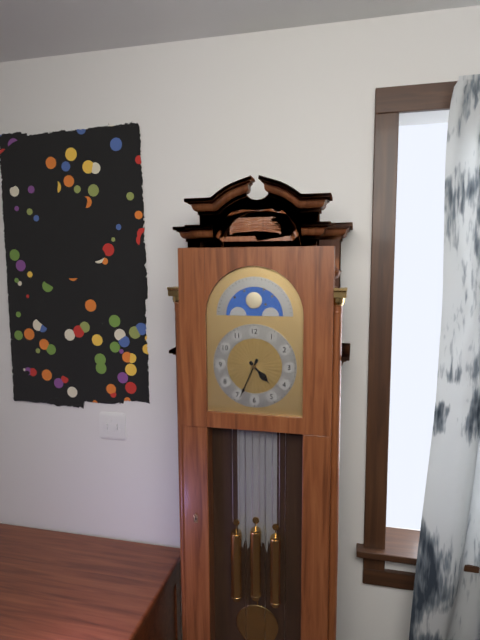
4:34
